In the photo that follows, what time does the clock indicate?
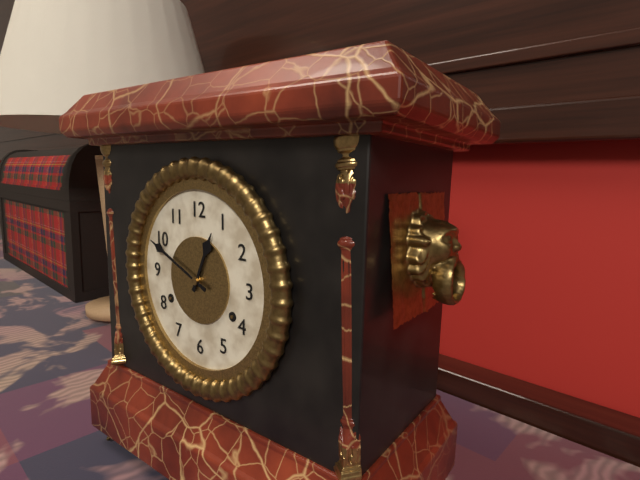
12:49
